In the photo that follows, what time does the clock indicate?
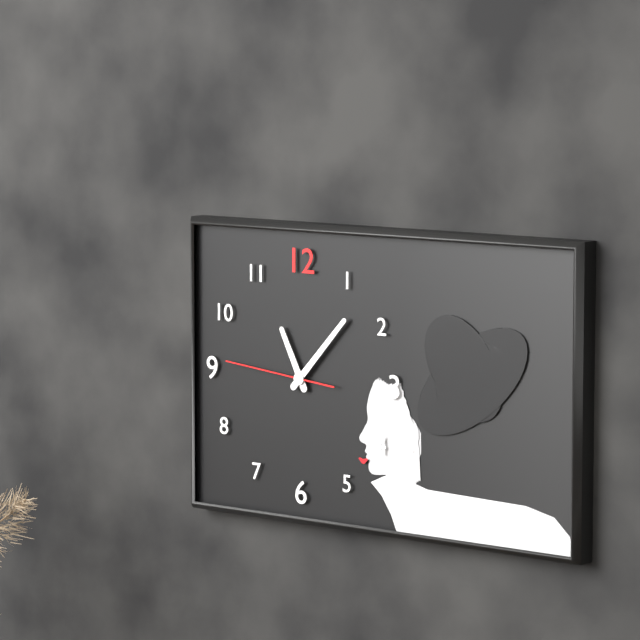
11:07:46
